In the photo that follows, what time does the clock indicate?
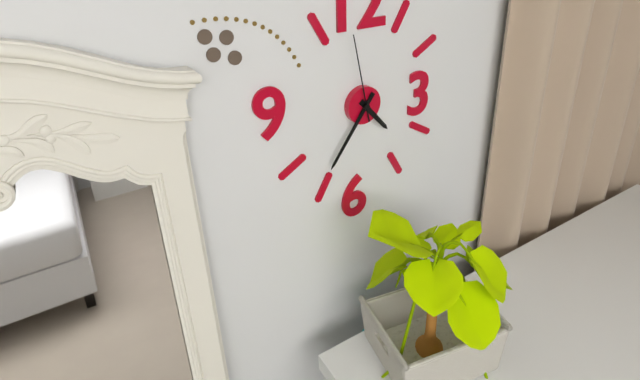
4:36:58
